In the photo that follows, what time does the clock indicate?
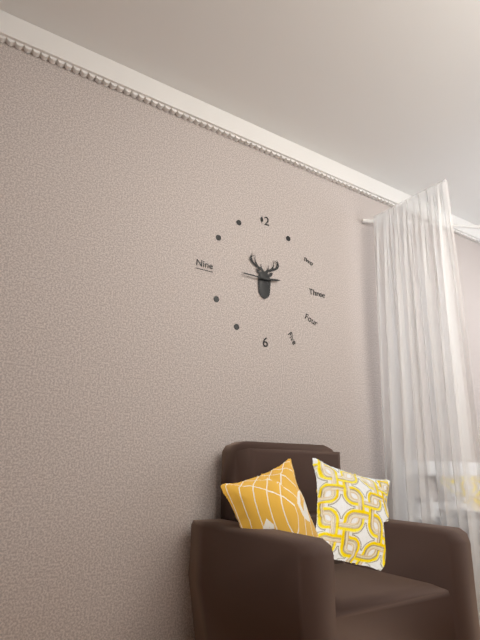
2:45
